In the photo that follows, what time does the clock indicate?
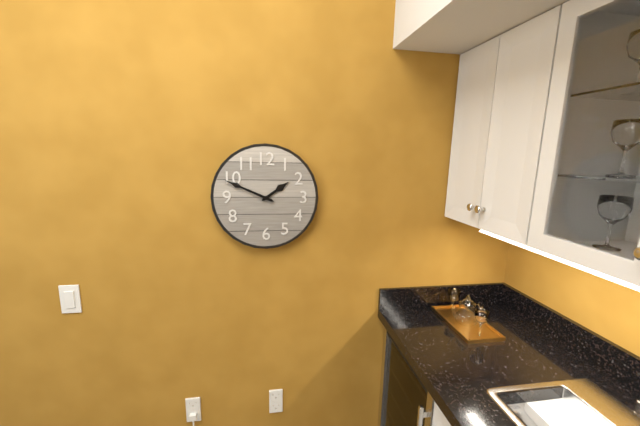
1:49
